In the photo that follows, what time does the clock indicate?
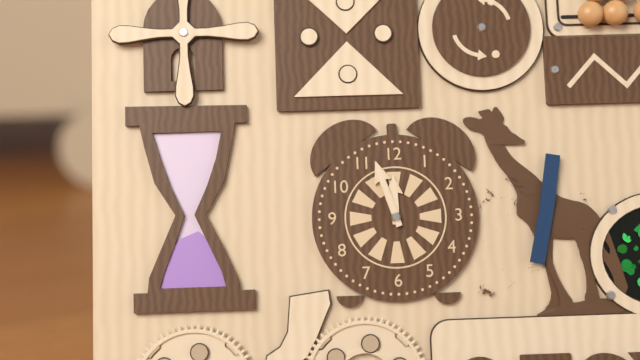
11:57
